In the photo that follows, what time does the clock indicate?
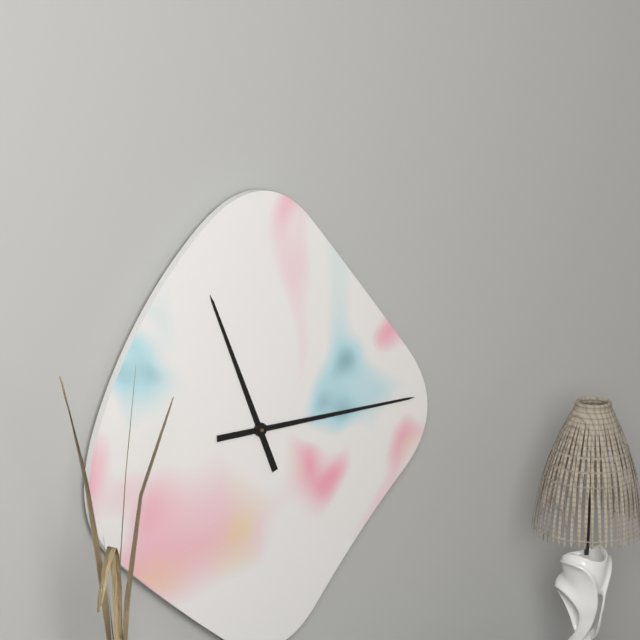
11:15
